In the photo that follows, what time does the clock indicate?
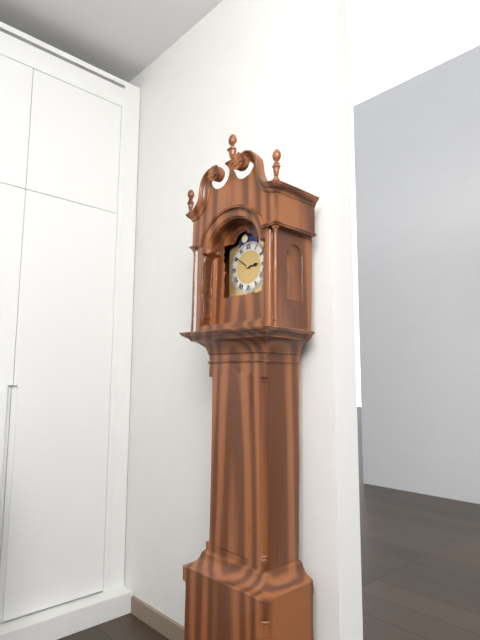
2:51
